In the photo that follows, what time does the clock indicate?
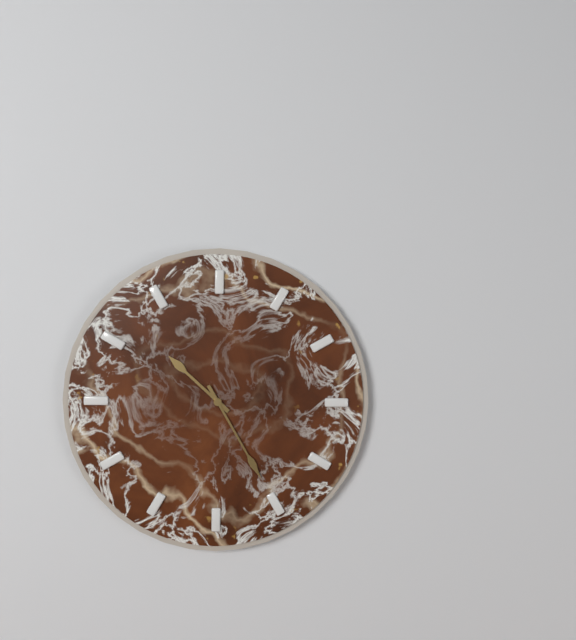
10:25
